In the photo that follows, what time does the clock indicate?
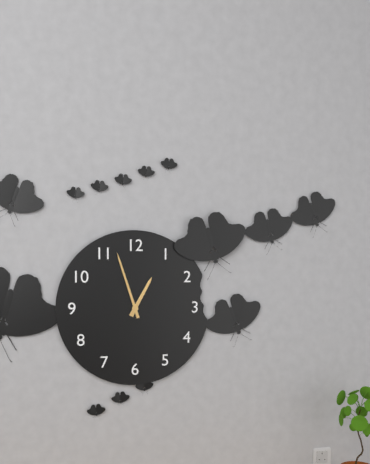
12:57
